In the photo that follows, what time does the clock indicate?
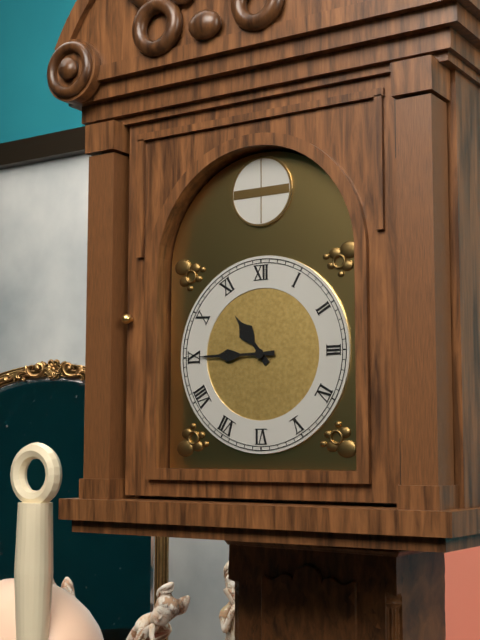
10:45
